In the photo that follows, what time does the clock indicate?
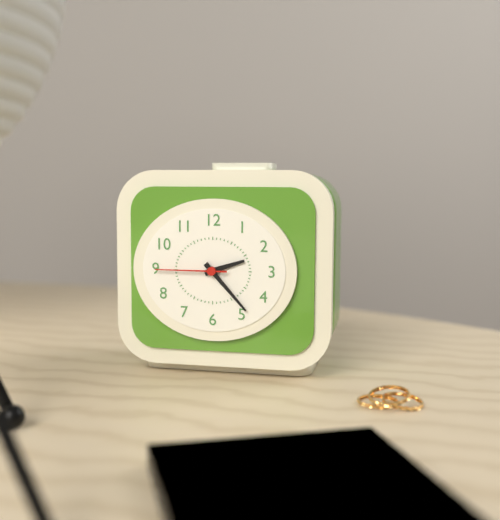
2:23:45
